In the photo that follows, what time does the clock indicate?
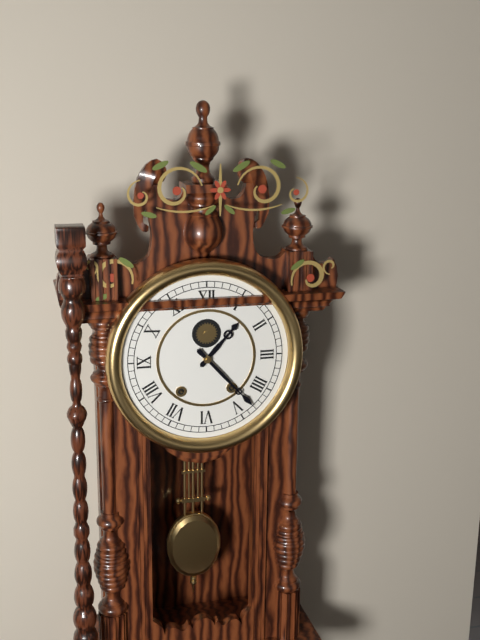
1:23
